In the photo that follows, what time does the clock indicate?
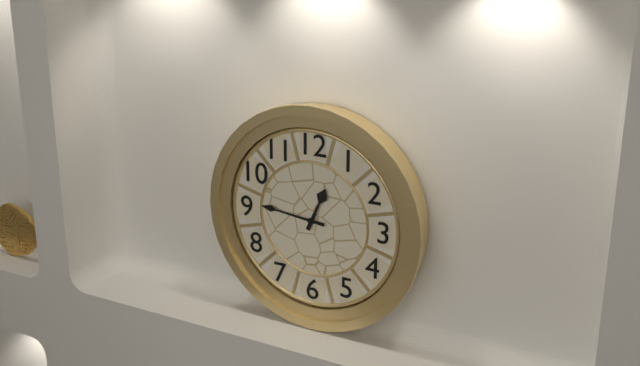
12:46
